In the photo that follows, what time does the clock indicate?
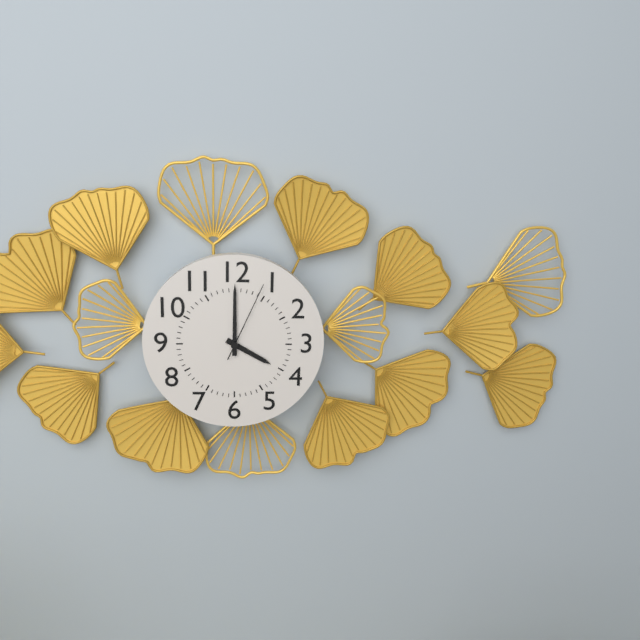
4:00:04
